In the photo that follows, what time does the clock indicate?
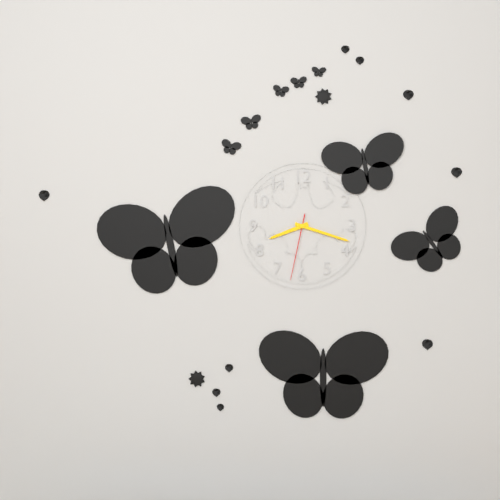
8:18:32
